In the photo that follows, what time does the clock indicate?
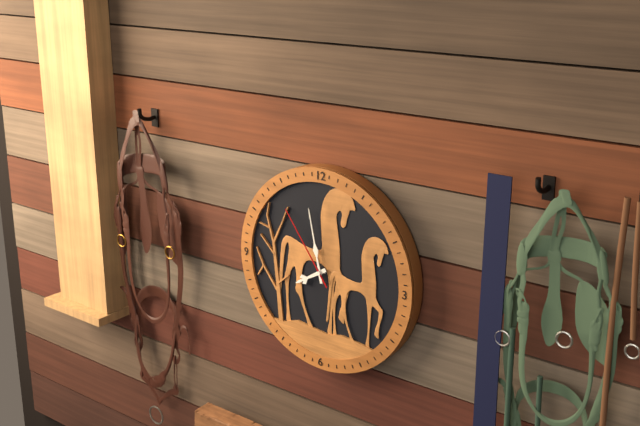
7:58:54
